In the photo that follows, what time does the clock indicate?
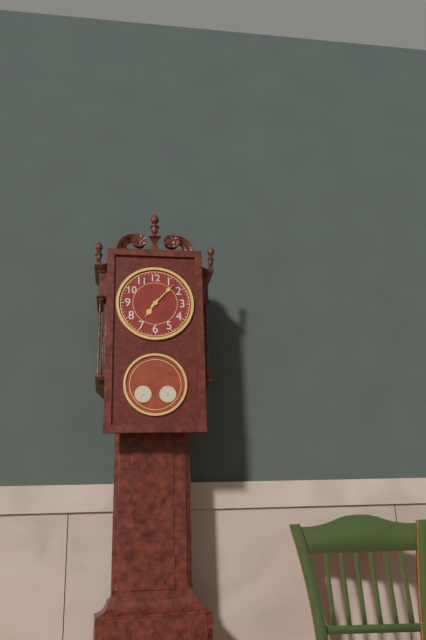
7:07
